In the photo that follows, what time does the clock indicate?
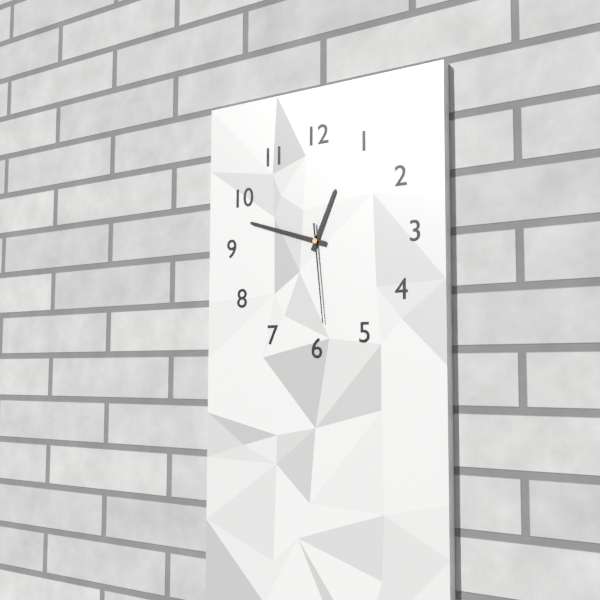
12:48:29
